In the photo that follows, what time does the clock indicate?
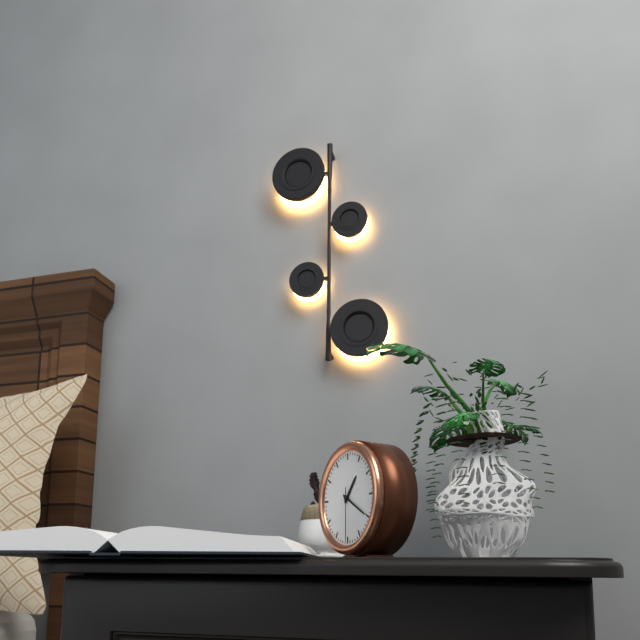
1:20:30
